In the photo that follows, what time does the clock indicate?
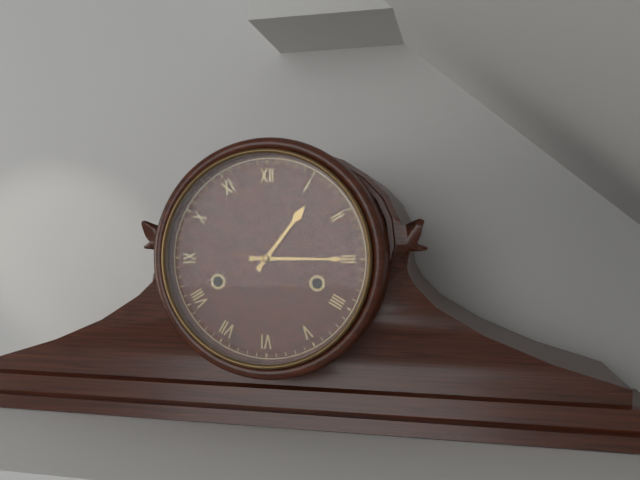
1:15
